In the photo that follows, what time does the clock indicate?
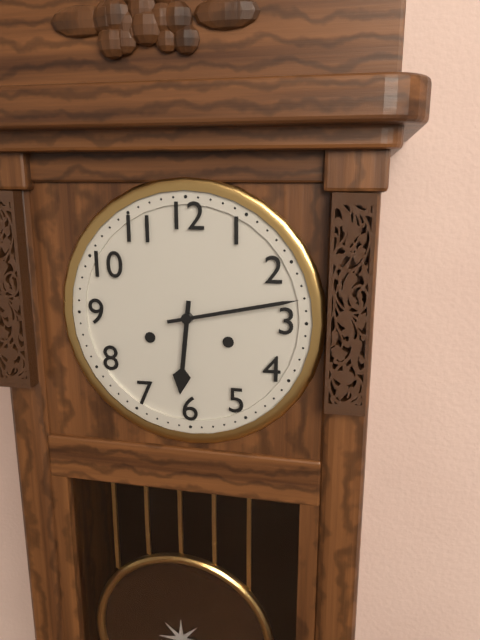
6:13
